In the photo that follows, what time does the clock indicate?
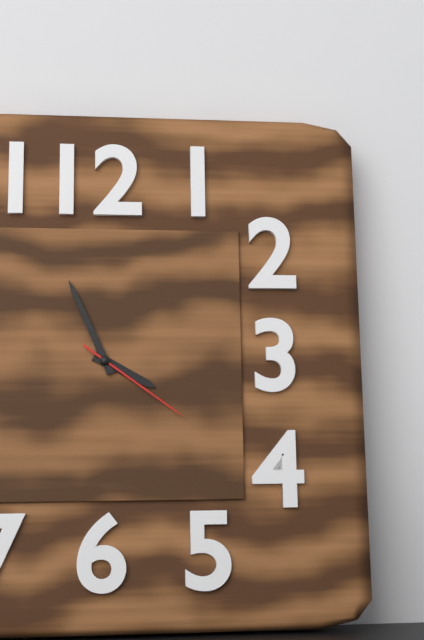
3:56:21
